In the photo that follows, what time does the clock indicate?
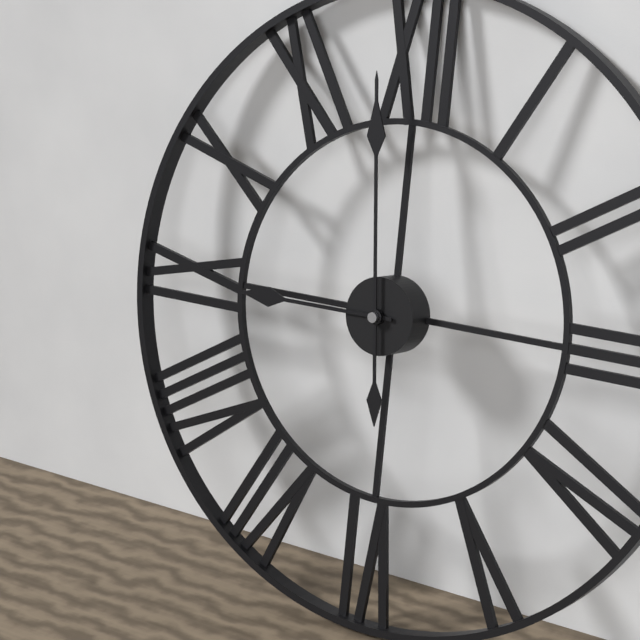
8:59
